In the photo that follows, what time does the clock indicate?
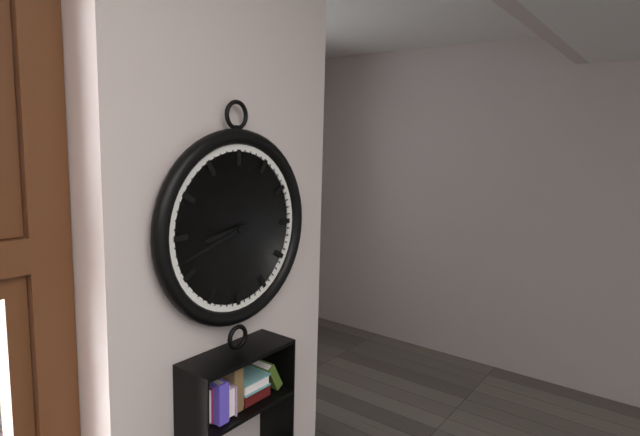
8:42
